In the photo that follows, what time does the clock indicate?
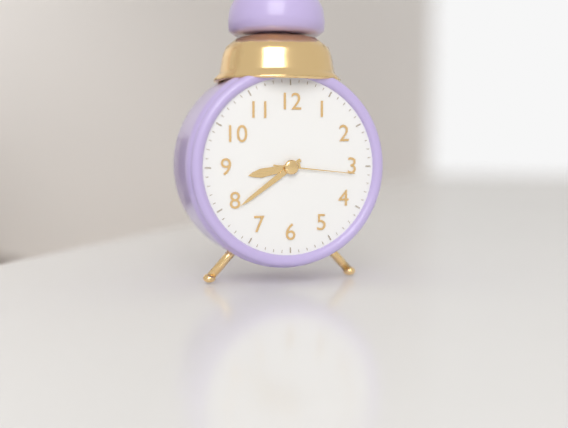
8:39:16
